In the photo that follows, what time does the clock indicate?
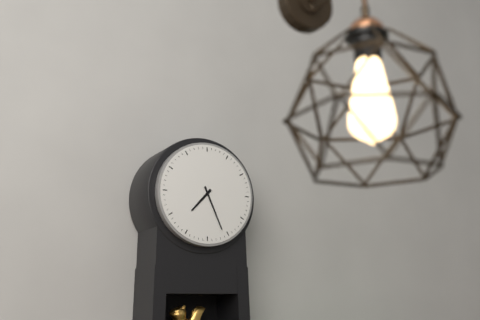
7:26
